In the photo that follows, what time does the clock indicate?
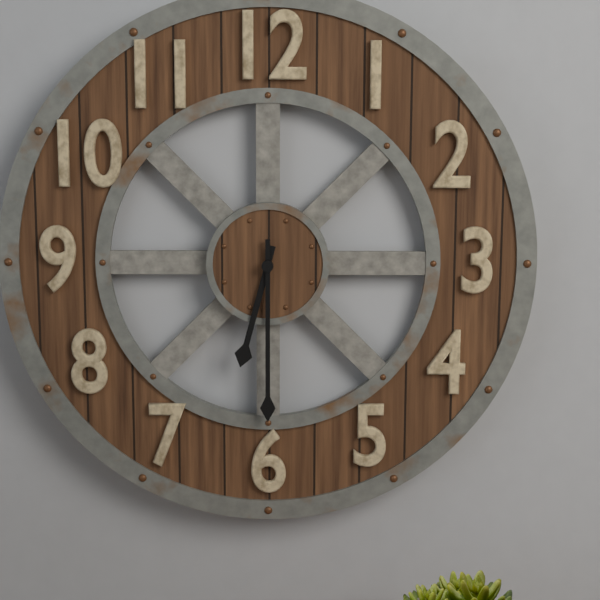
6:30
